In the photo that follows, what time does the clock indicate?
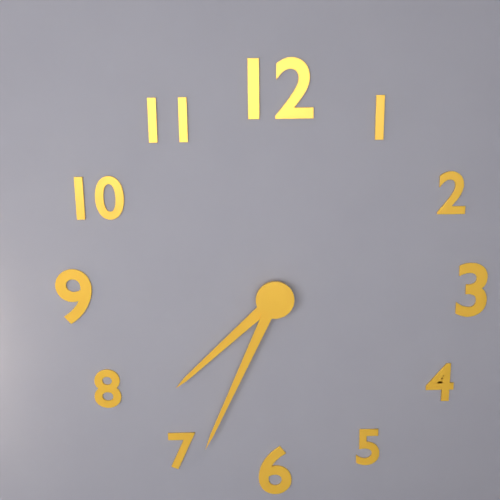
7:34
